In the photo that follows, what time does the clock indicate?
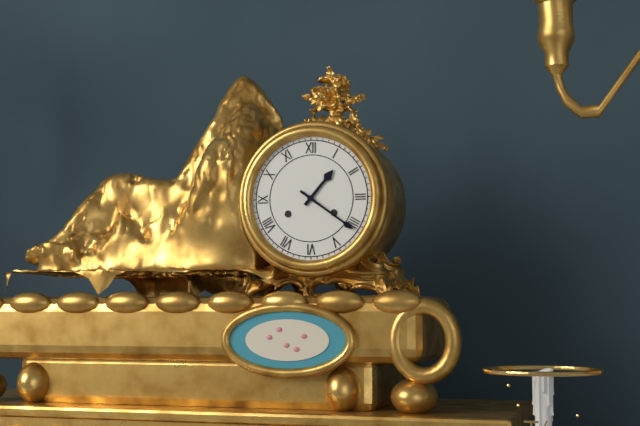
1:21
